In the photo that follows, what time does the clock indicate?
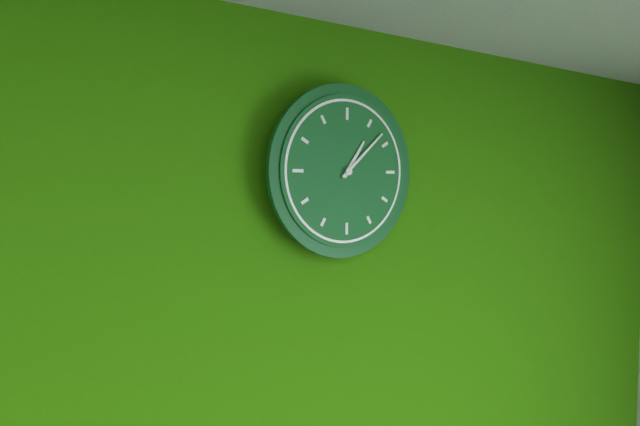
1:08
